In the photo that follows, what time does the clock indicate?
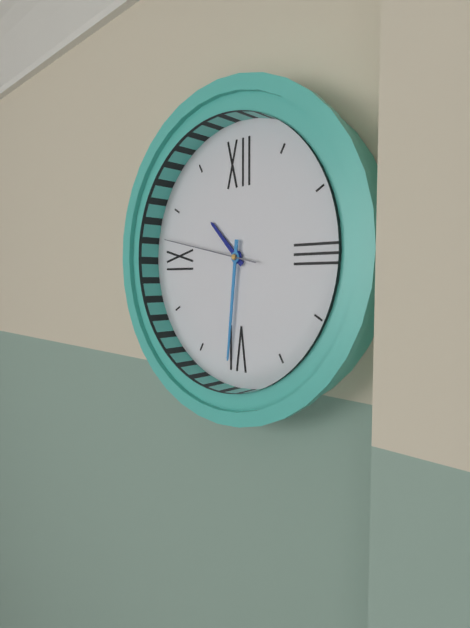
10:31:47
